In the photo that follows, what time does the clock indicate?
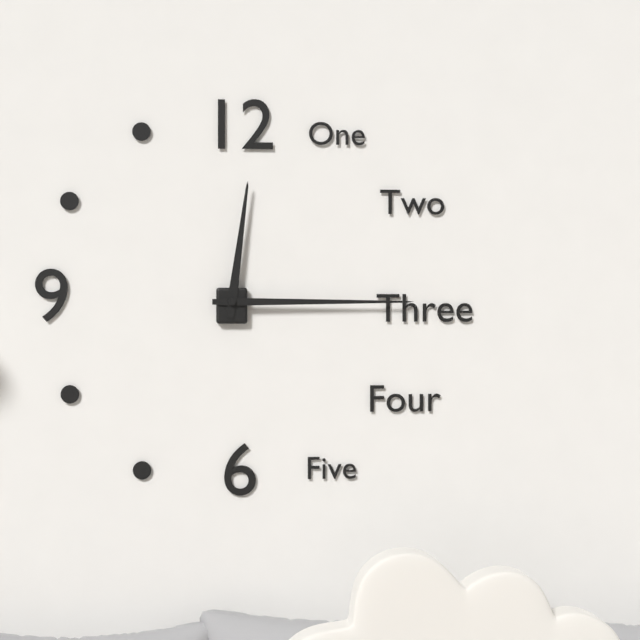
12:15
